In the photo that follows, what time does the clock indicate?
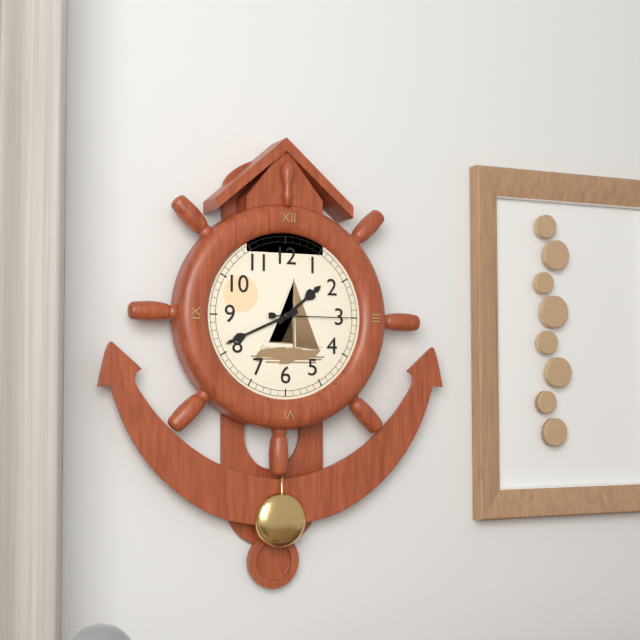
1:41:15
